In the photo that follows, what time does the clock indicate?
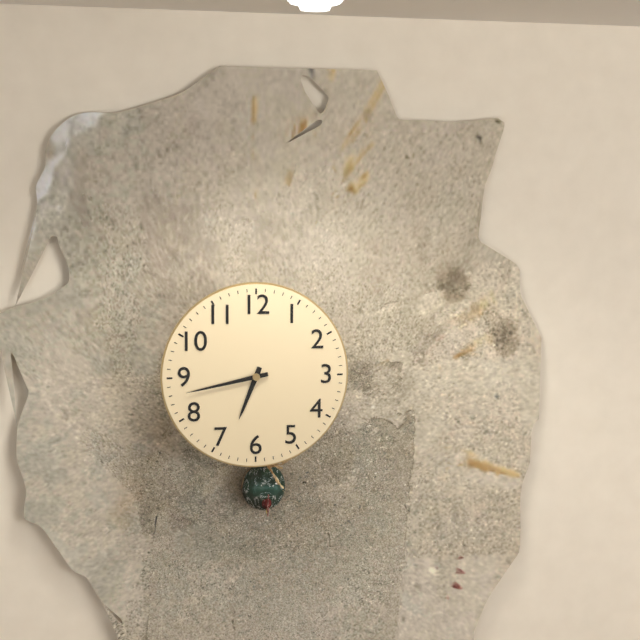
6:43
